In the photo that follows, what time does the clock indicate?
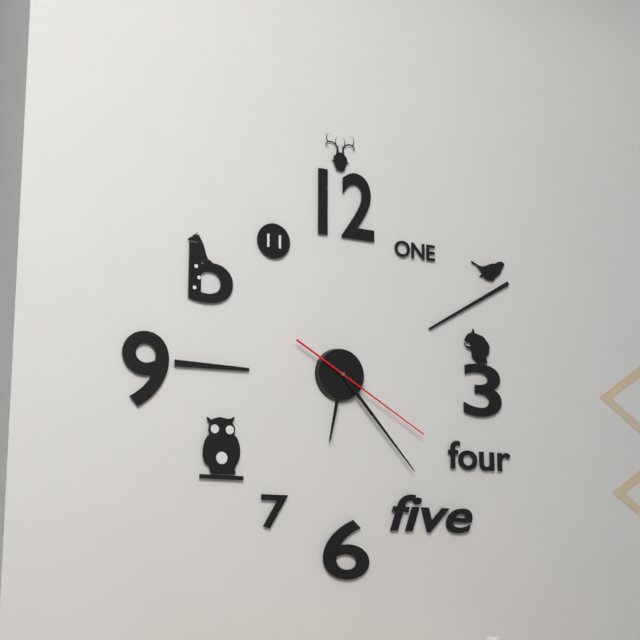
6:23:20
